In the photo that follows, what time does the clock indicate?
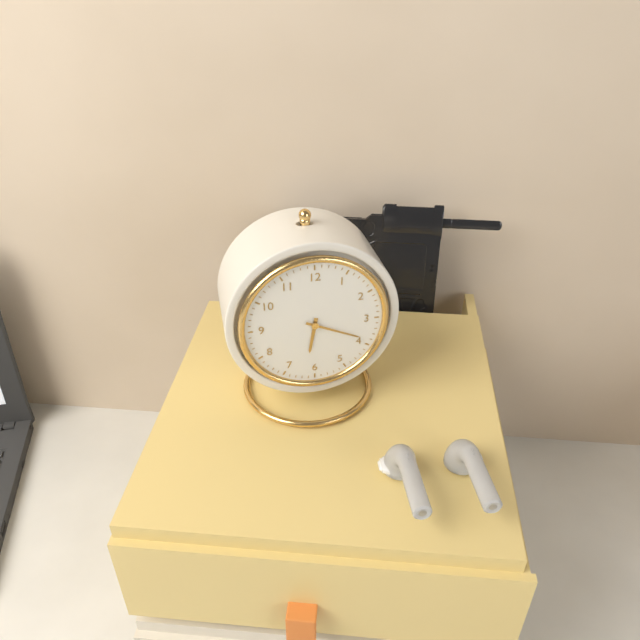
6:19
